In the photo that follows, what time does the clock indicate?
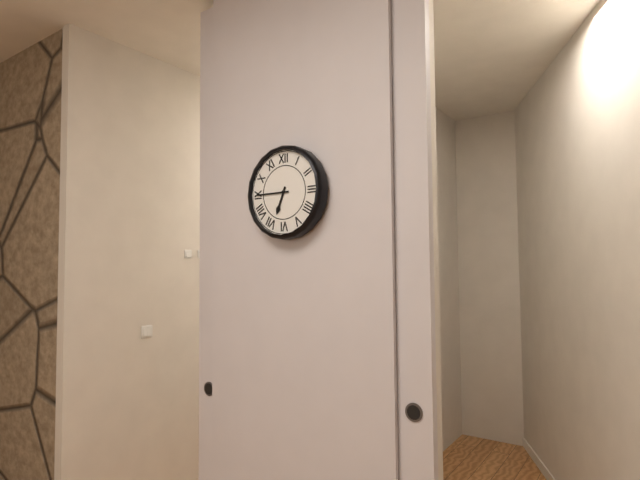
6:45
